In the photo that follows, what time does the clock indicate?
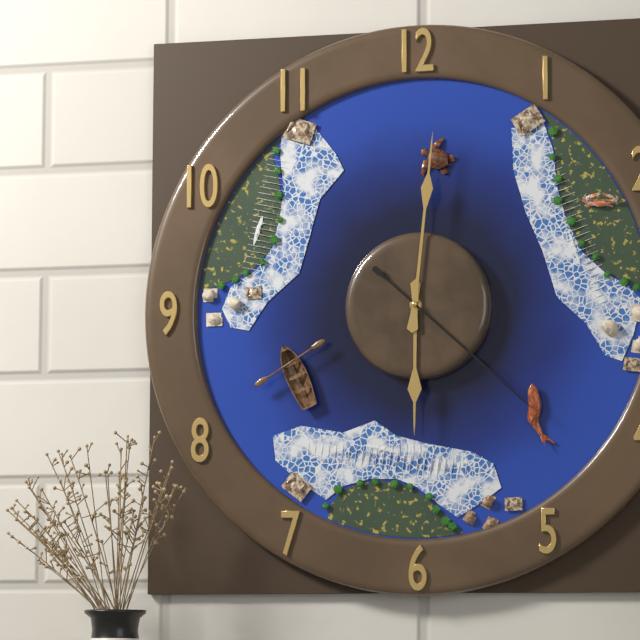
6:01:22
